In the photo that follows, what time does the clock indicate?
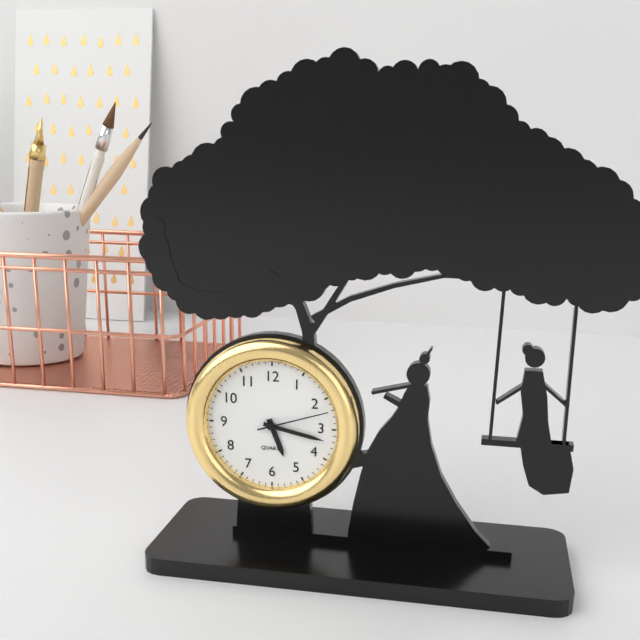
5:17:12
